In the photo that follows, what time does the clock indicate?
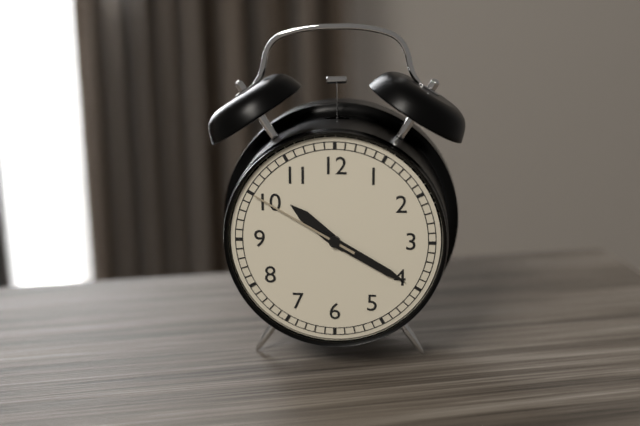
10:20:50
